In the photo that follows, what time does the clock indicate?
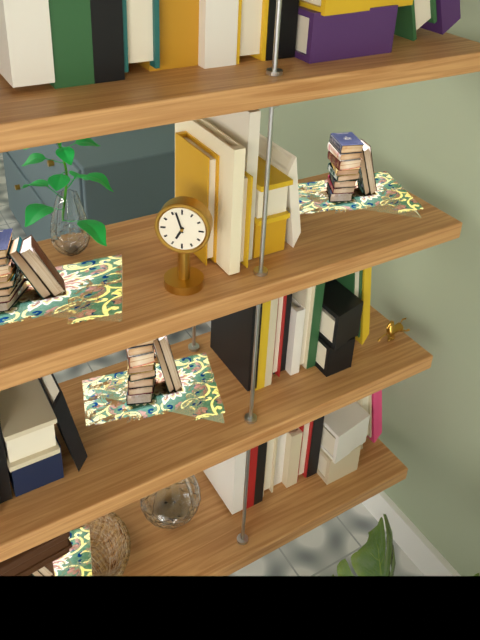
6:57
